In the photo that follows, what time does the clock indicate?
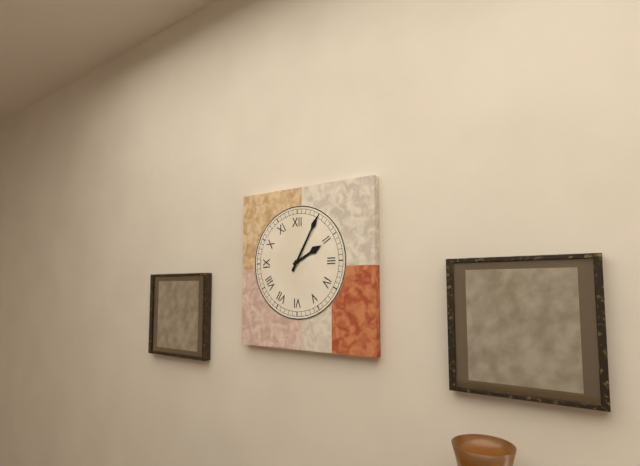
2:05
